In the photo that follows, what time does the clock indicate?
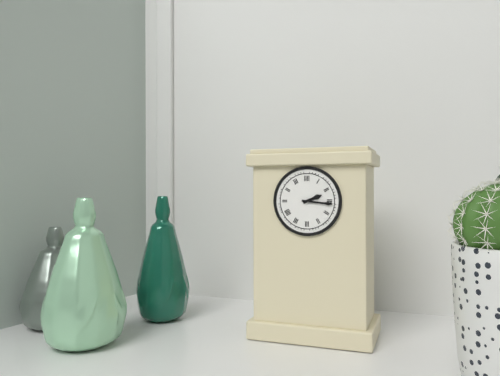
2:16
